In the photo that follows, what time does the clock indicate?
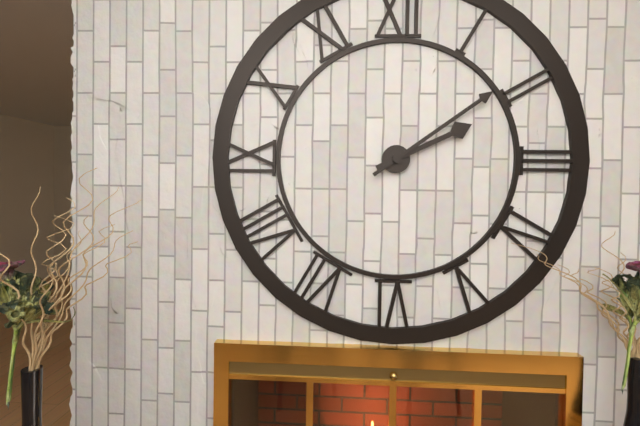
2:09
